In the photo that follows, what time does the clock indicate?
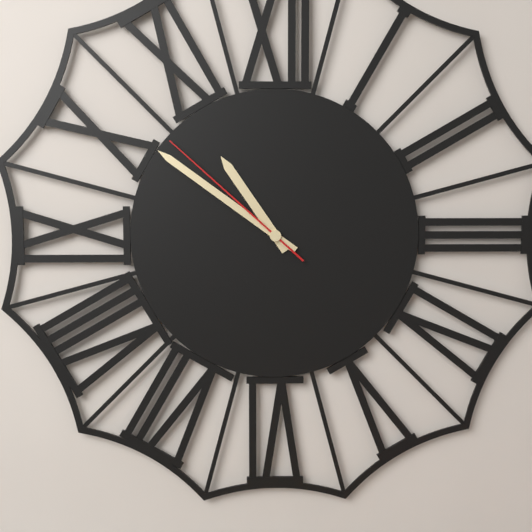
10:51:52
